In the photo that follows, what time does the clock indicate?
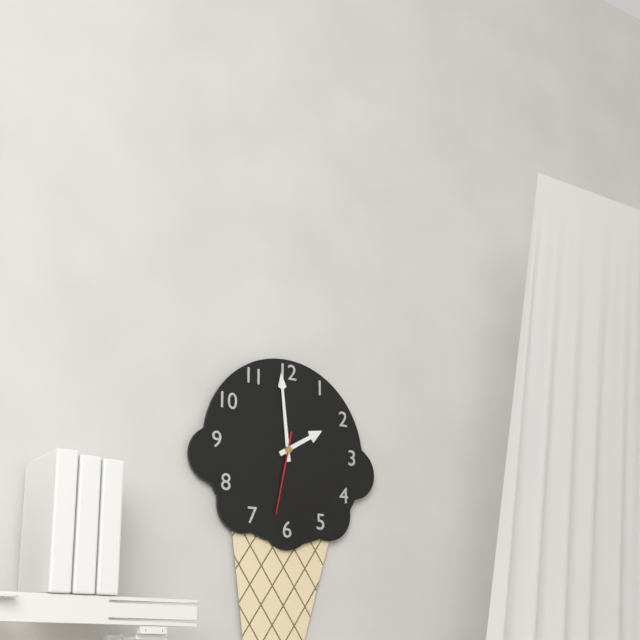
1:59:32
